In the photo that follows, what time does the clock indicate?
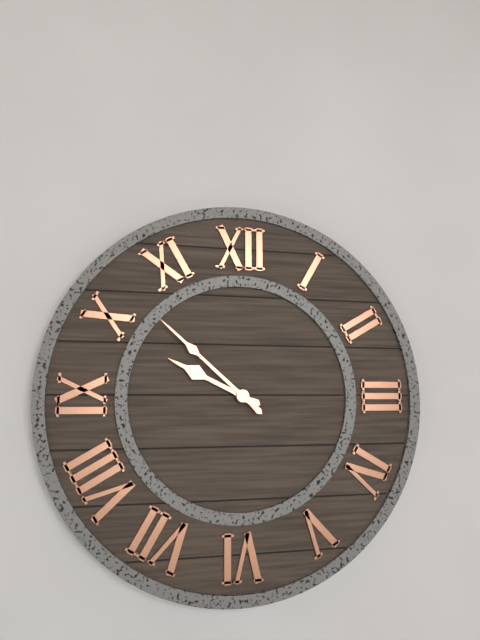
9:52
